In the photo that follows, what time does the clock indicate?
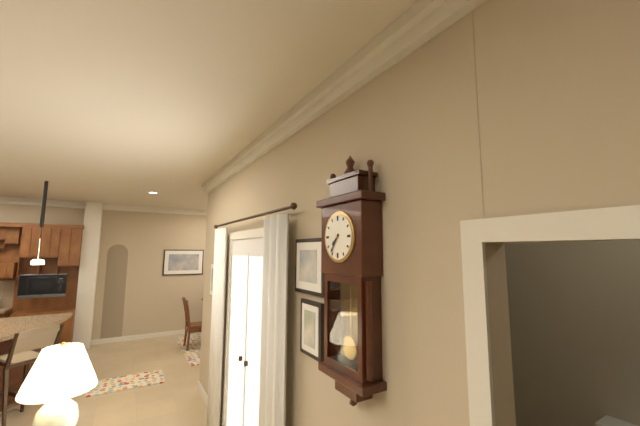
7:36
